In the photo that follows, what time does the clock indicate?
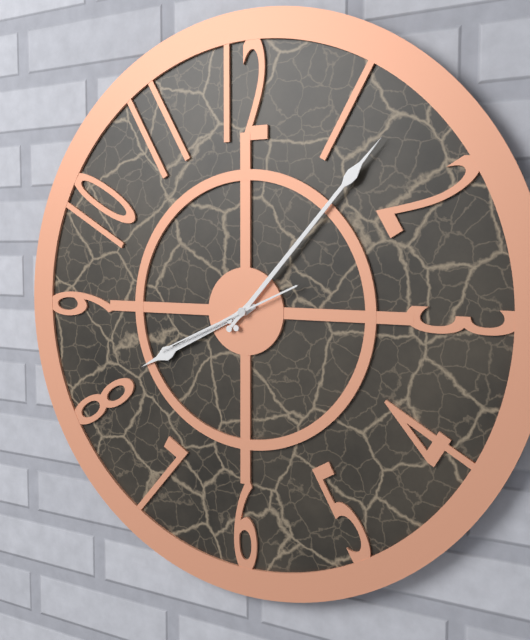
8:07:41
